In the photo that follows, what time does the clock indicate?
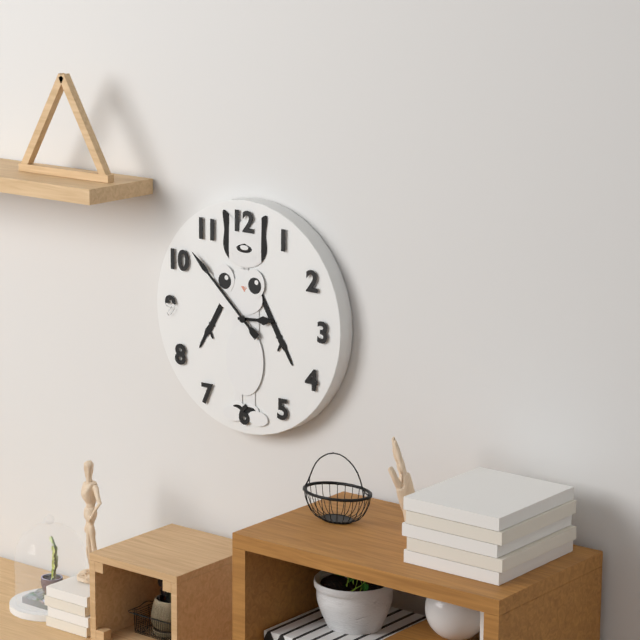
2:52
